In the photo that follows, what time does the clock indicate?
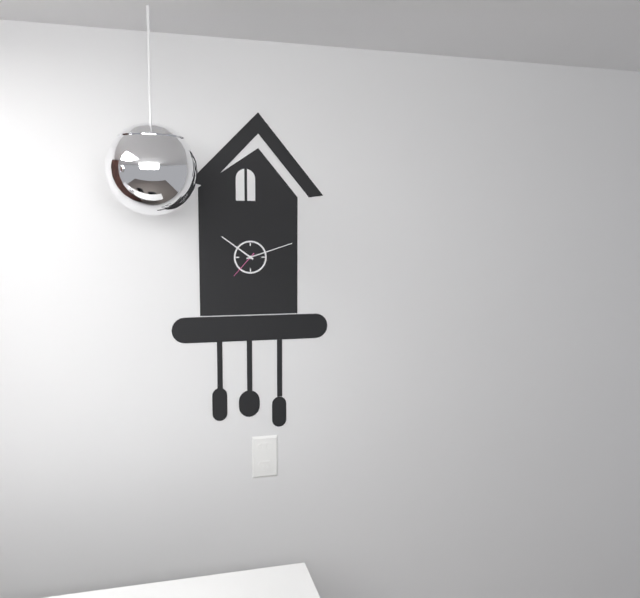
10:12
